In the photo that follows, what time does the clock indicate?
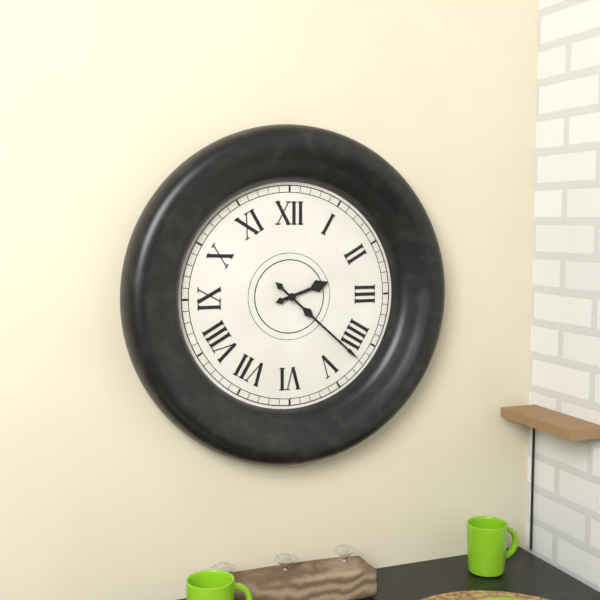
2:22
